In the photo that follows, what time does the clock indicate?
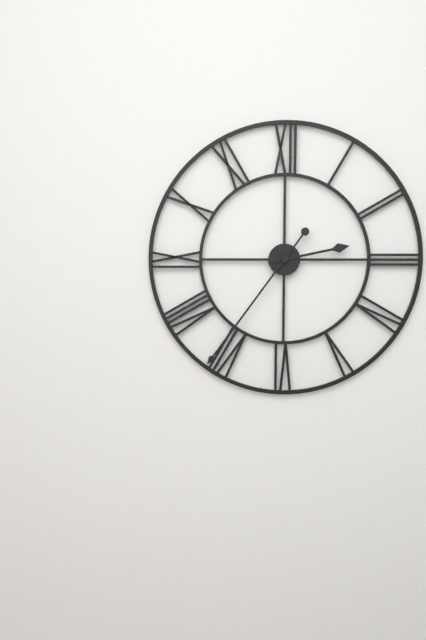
2:36
